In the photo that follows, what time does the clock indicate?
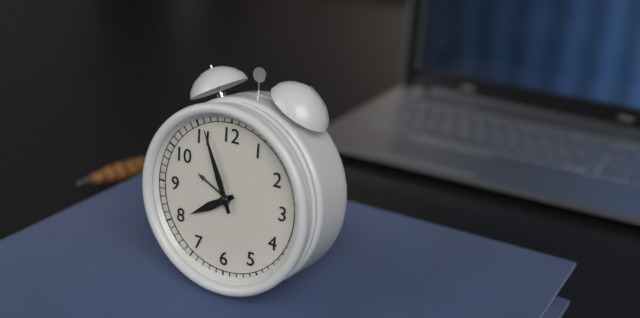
7:56
